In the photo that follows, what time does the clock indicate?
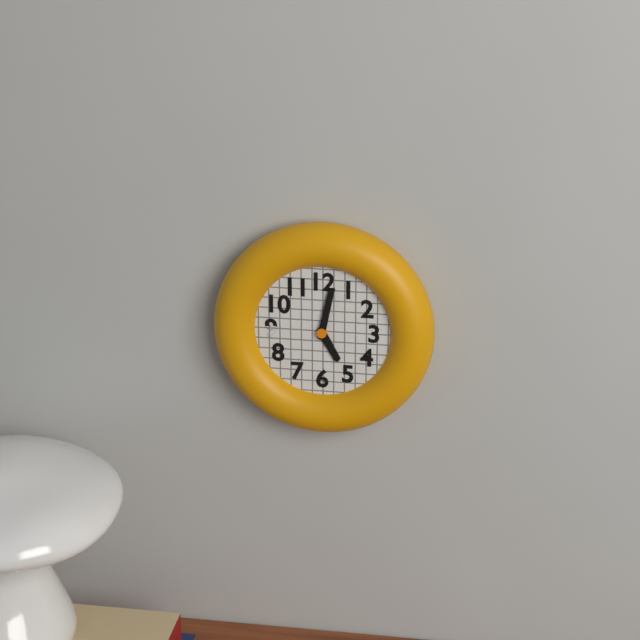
5:02
